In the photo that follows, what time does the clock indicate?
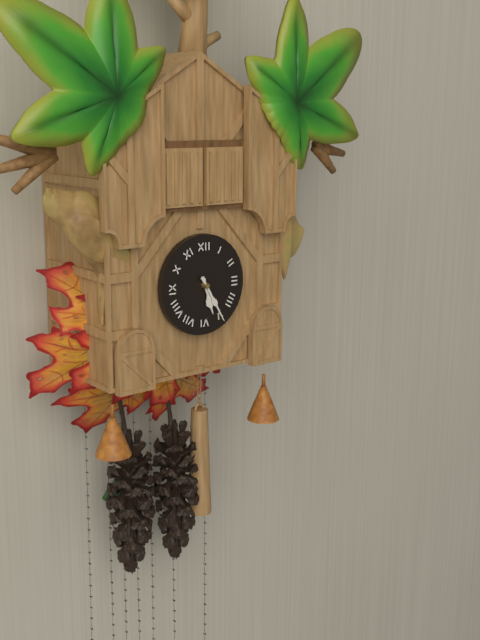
5:25
